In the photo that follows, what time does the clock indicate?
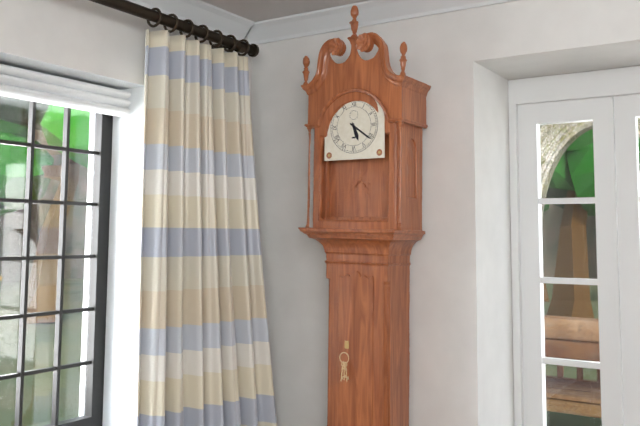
5:21
